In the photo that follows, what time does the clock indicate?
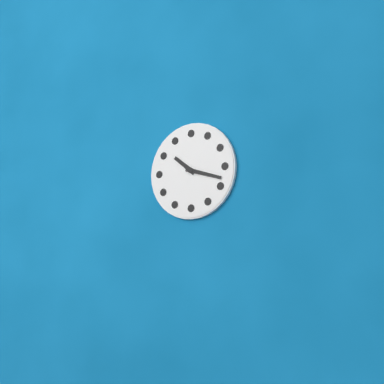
10:18
